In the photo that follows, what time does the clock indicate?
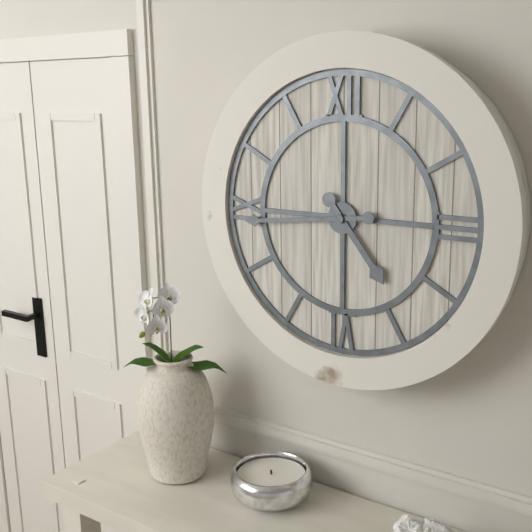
4:44
